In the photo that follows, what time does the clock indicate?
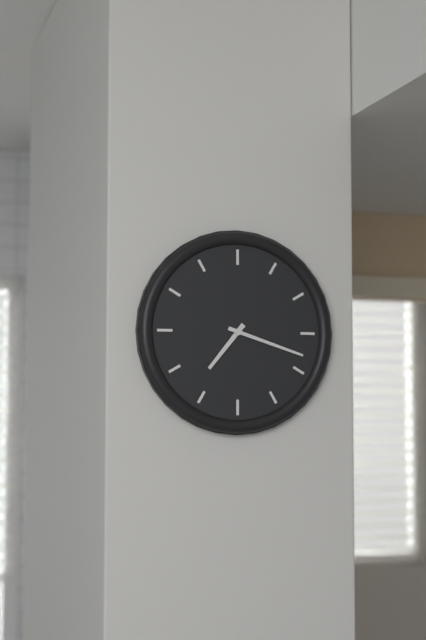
7:18
